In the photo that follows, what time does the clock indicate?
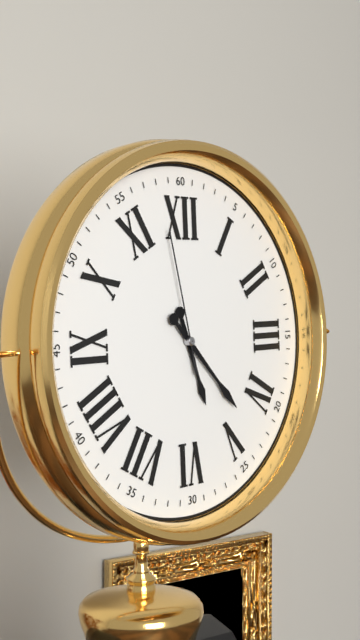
5:23:58
